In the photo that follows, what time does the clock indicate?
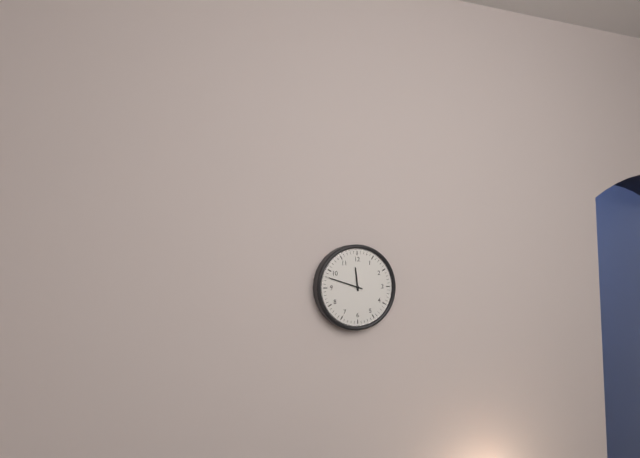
11:48
